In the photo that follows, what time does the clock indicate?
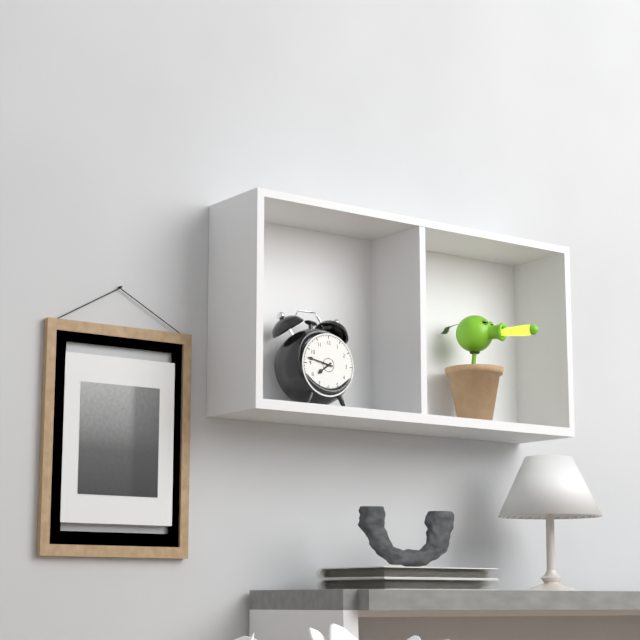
7:47
